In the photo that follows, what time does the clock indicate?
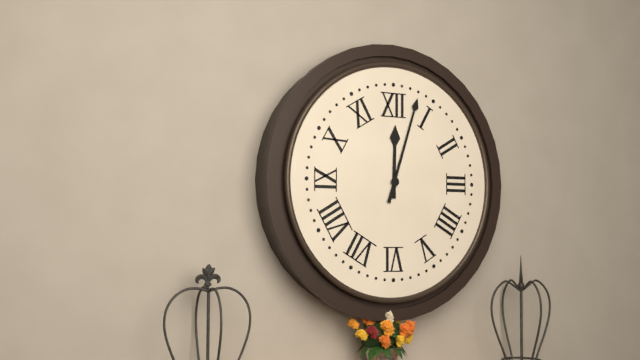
12:03
